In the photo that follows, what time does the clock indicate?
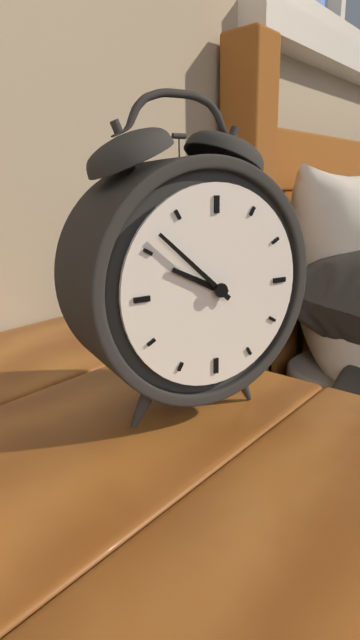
9:52
